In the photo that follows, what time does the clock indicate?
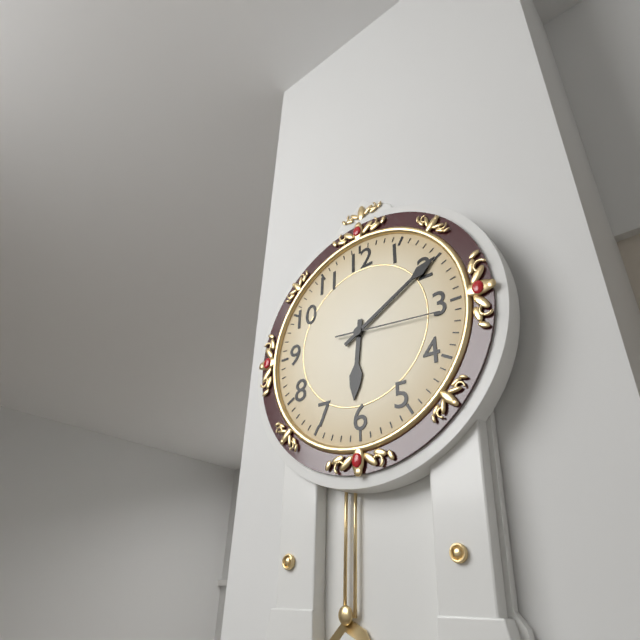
6:10:16
